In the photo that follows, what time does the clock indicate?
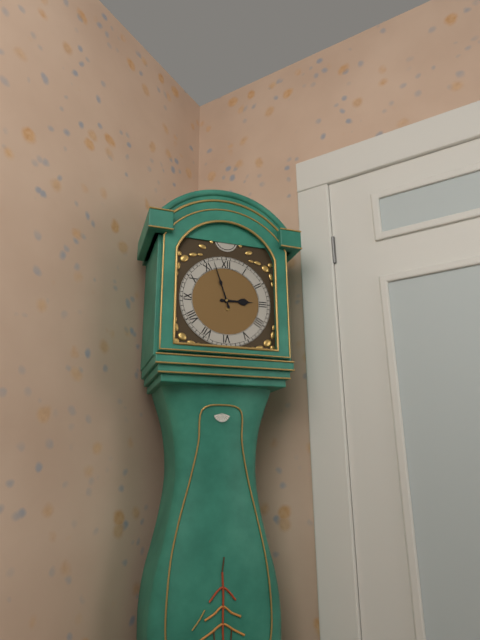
2:57
